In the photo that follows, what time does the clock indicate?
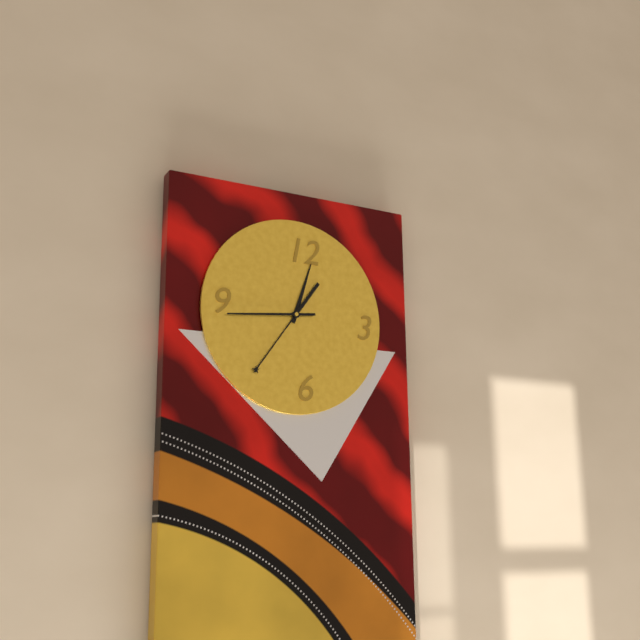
12:36:44
